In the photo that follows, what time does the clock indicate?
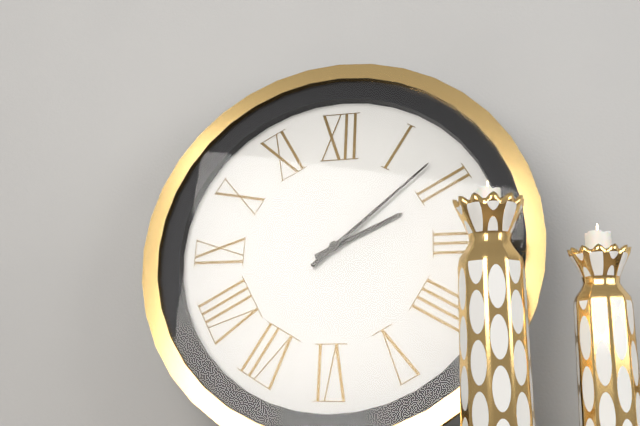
2:08
